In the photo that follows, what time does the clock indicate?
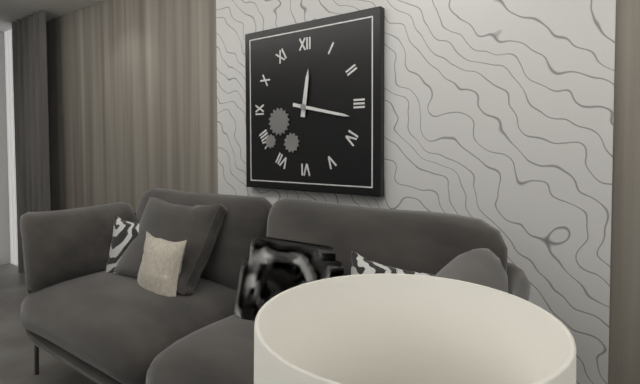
12:17
